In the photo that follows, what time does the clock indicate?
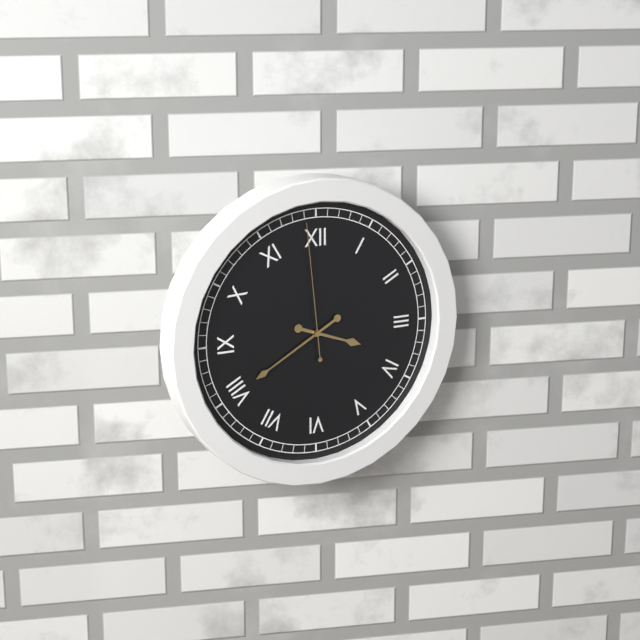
3:40:59
